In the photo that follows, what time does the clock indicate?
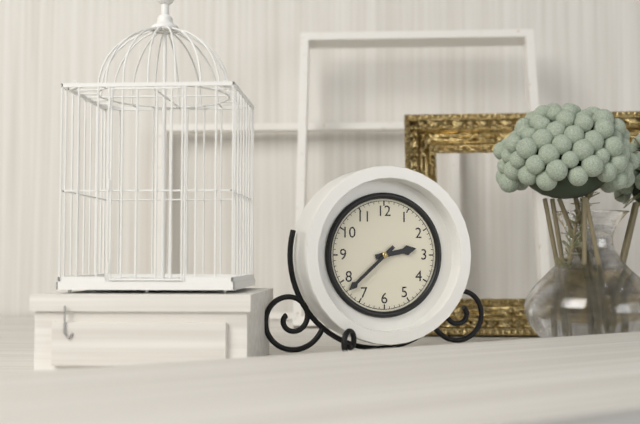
2:38
